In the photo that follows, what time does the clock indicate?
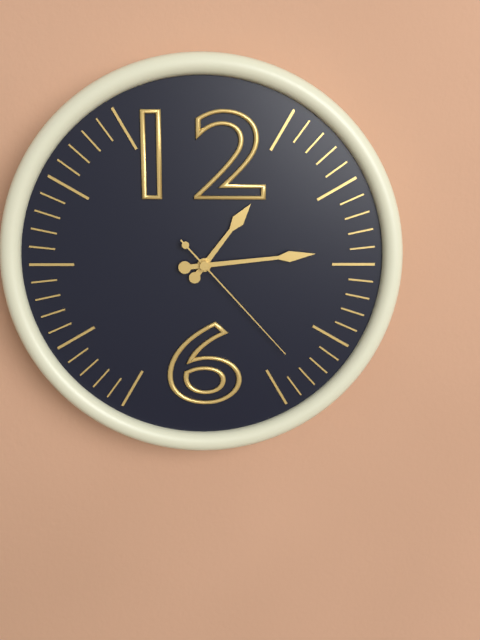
1:14:23
